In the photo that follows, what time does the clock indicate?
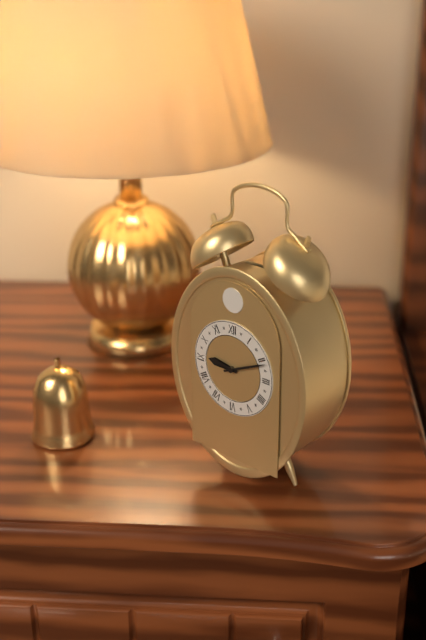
9:11
